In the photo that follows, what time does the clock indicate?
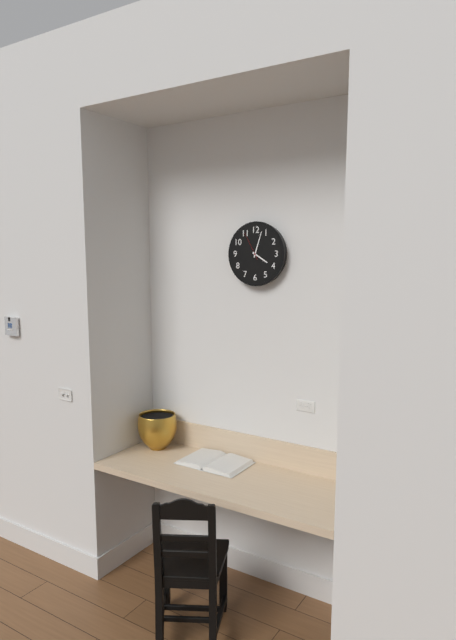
4:03
